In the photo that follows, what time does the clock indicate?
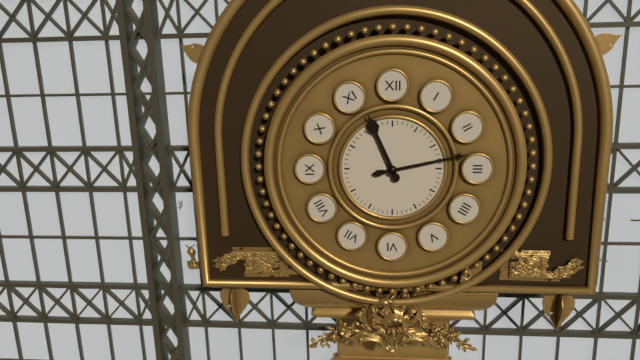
11:13
